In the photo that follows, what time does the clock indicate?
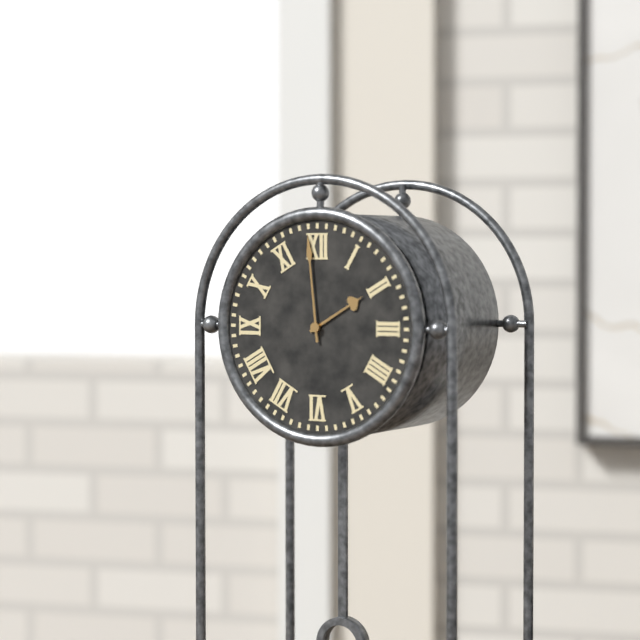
1:59
